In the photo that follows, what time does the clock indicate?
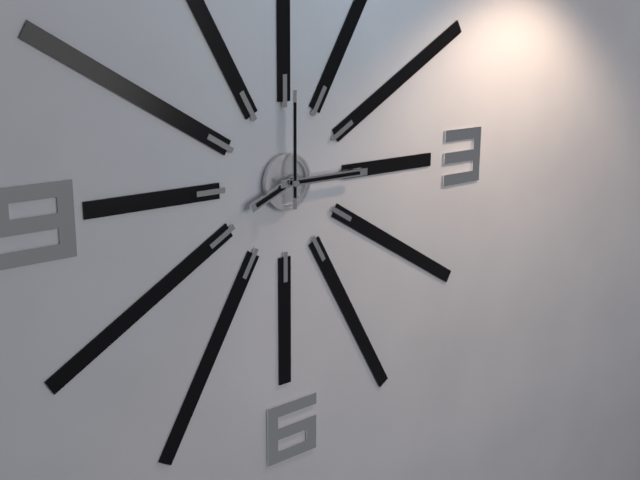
8:15:00
